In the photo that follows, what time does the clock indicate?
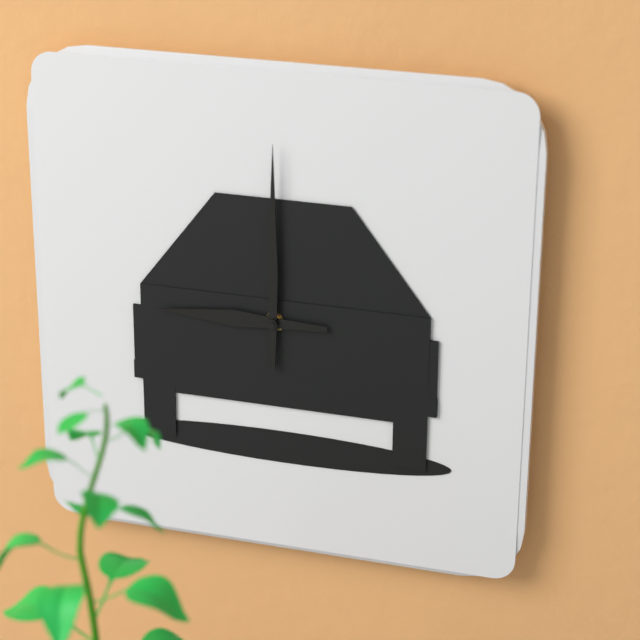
9:00
